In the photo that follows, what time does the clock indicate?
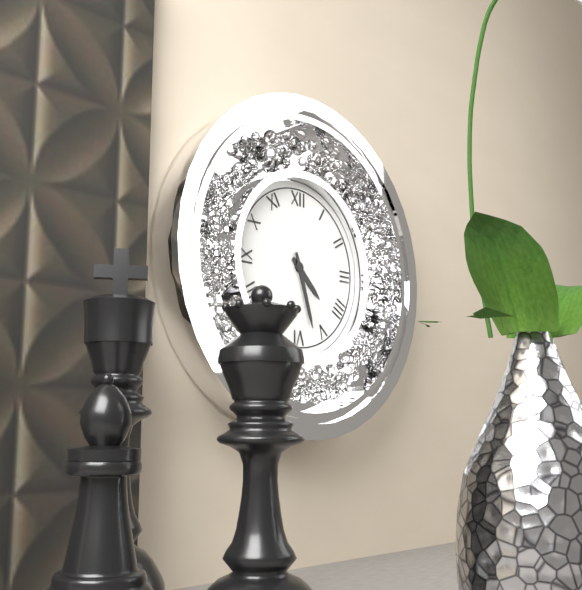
4:27
